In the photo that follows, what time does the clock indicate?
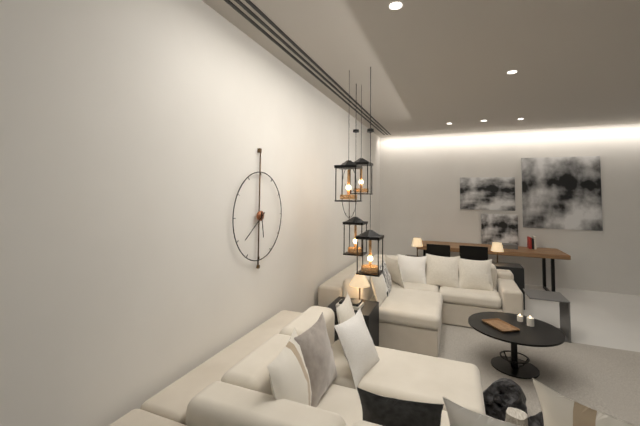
5:39
